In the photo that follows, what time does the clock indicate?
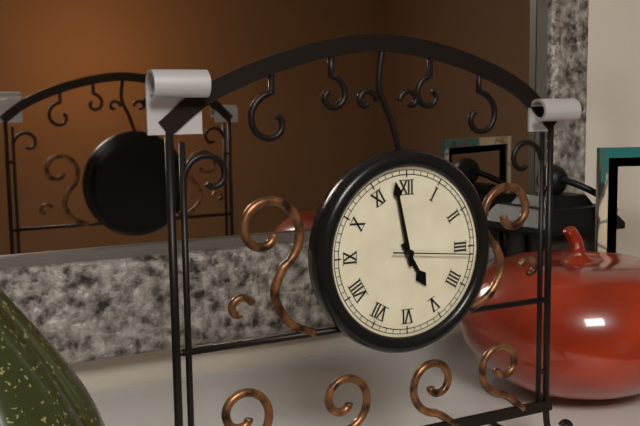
4:58:16
